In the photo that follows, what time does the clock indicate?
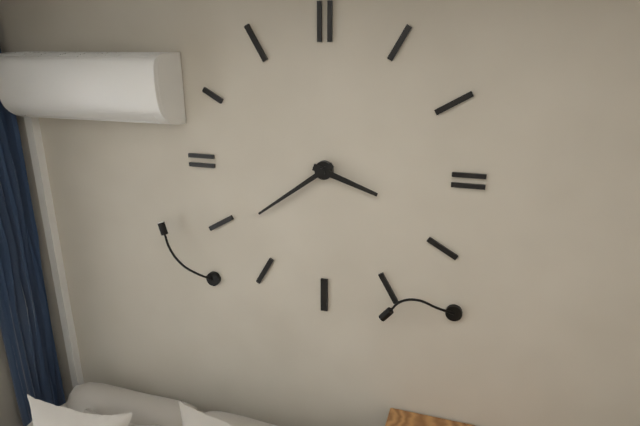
3:39
